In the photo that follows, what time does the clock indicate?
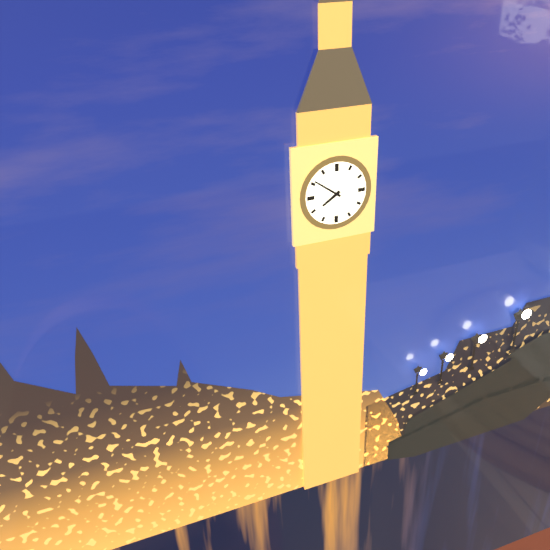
7:51
